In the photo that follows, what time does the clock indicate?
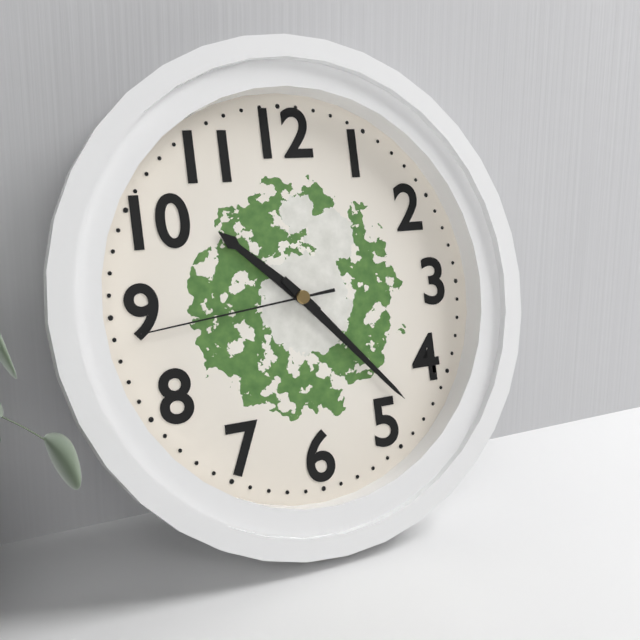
10:23:44
